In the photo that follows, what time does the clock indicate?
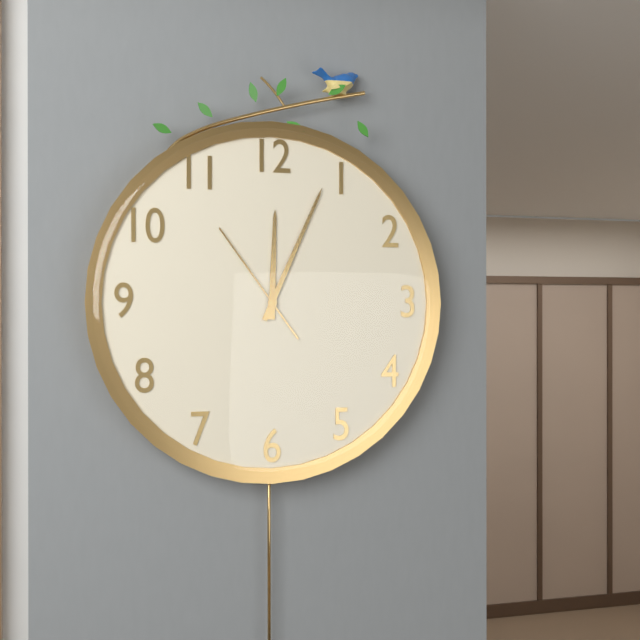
12:04:54
